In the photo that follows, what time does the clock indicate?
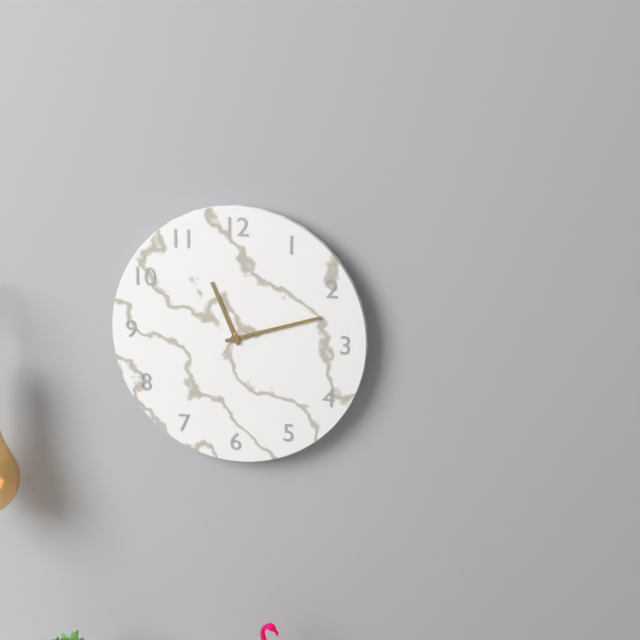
11:12
